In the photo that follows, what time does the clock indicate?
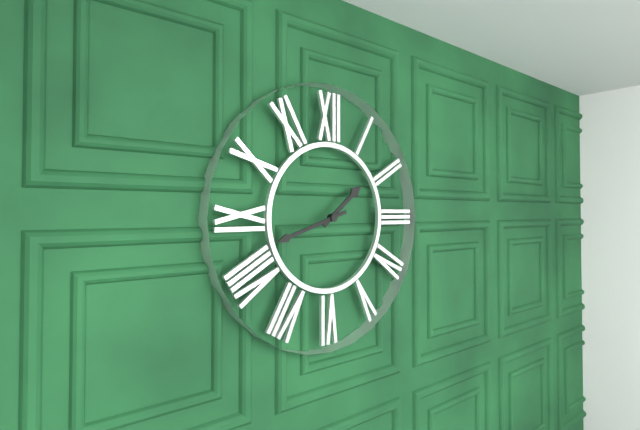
1:42
